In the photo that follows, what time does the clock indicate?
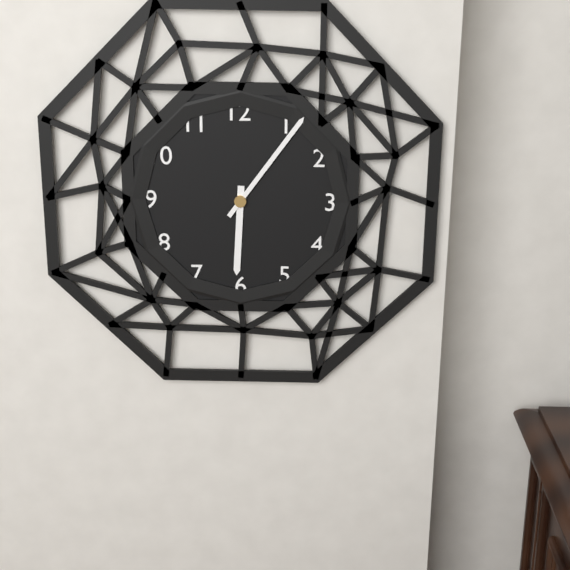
6:06
